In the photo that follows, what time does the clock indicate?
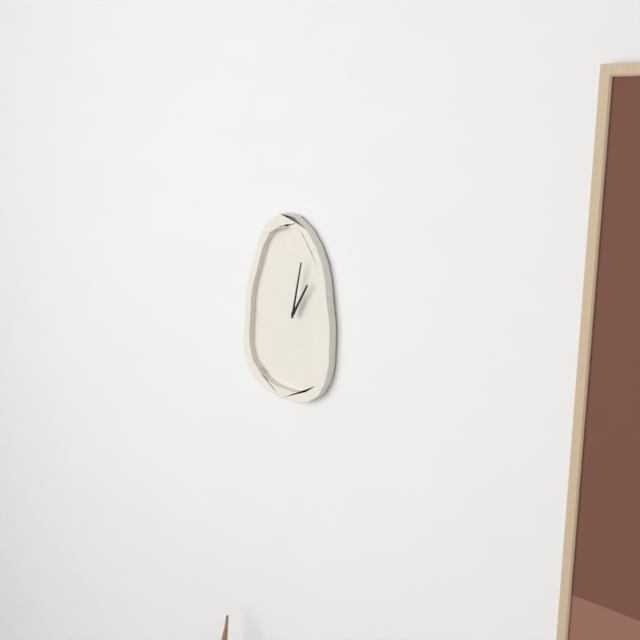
1:02
